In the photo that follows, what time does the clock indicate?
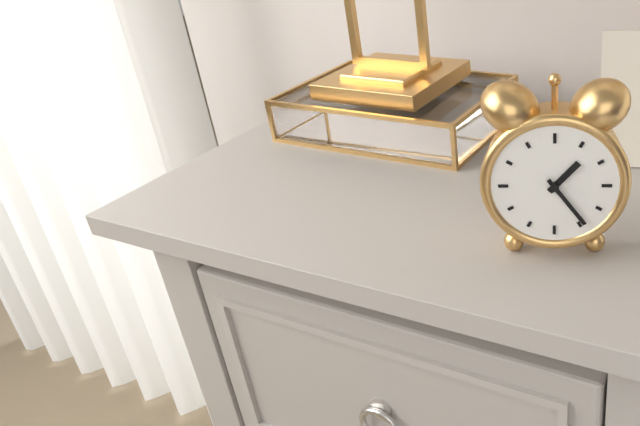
1:24
